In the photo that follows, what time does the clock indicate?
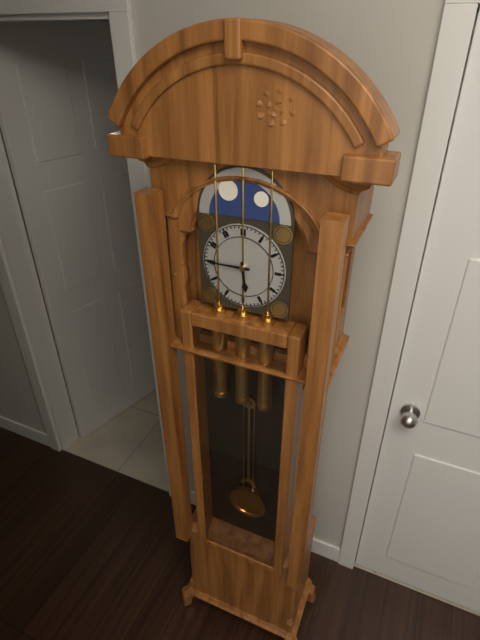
5:45
